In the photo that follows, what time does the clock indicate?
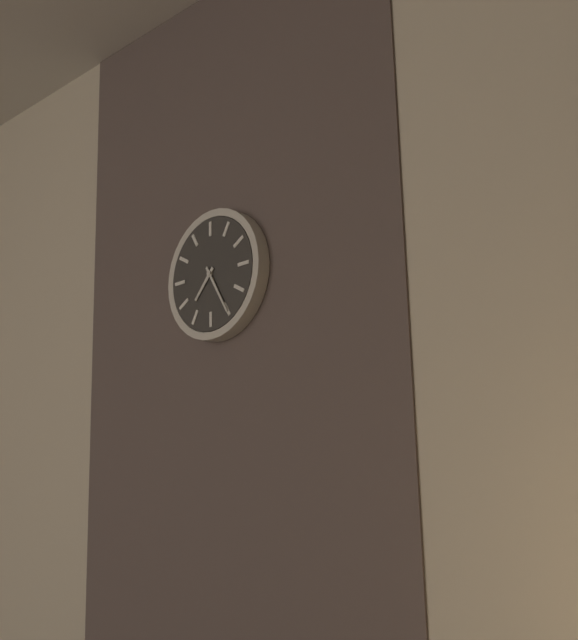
7:25
